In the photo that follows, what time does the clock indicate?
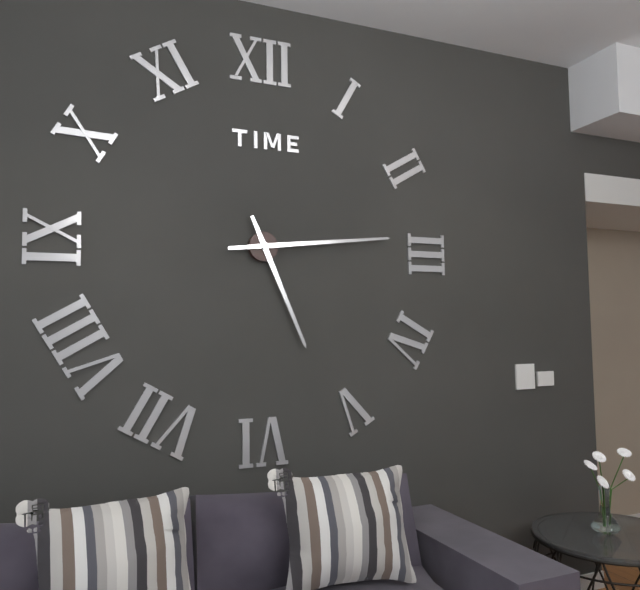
5:14
